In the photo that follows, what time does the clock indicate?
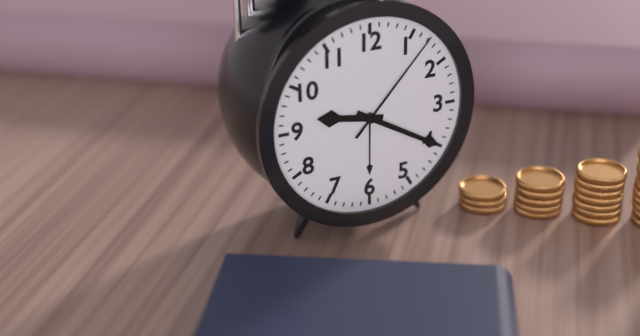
9:20:07
